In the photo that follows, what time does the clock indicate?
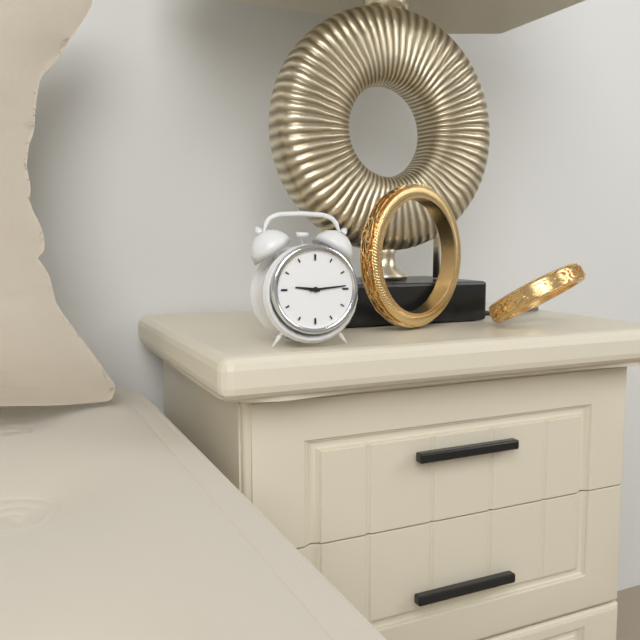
9:14
